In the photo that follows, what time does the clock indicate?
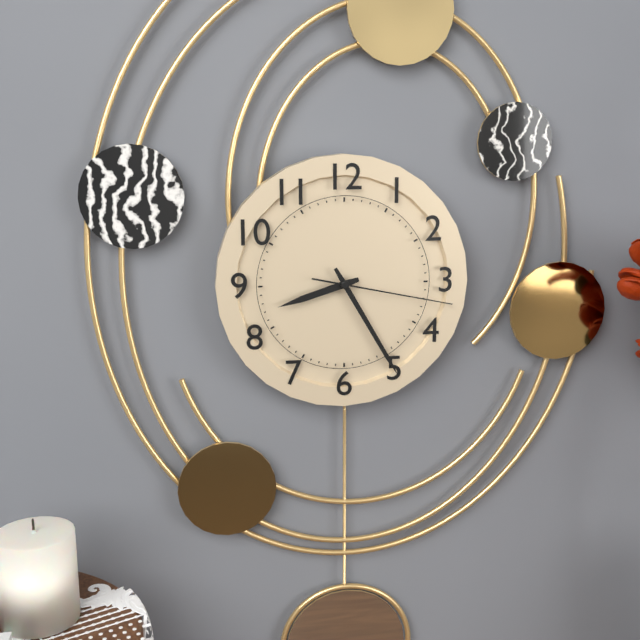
8:25:17
